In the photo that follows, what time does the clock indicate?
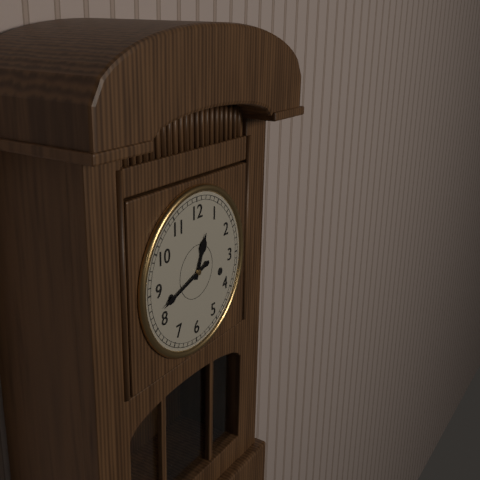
12:42
